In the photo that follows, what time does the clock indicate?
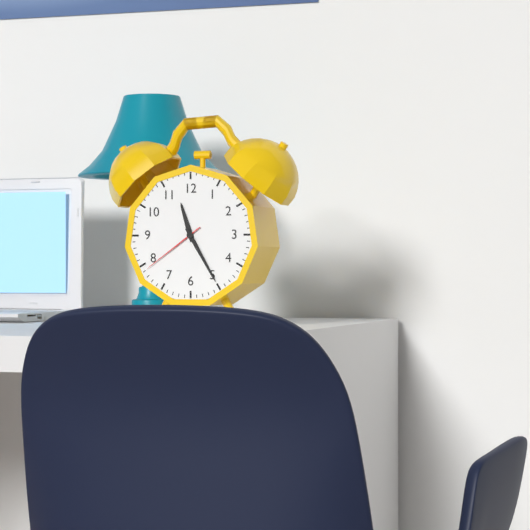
11:25:39
